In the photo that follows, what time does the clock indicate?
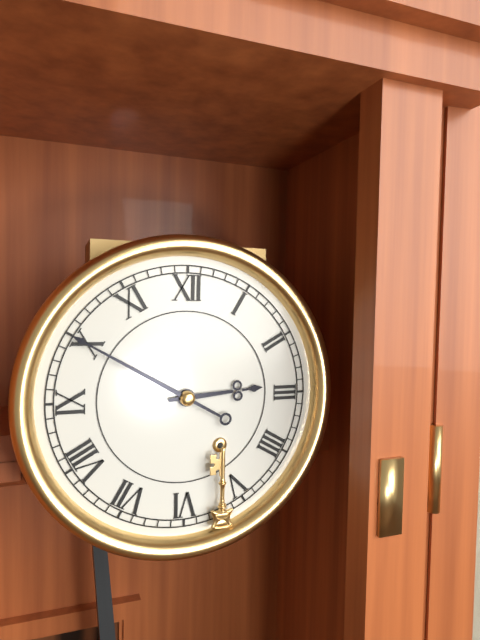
2:50
